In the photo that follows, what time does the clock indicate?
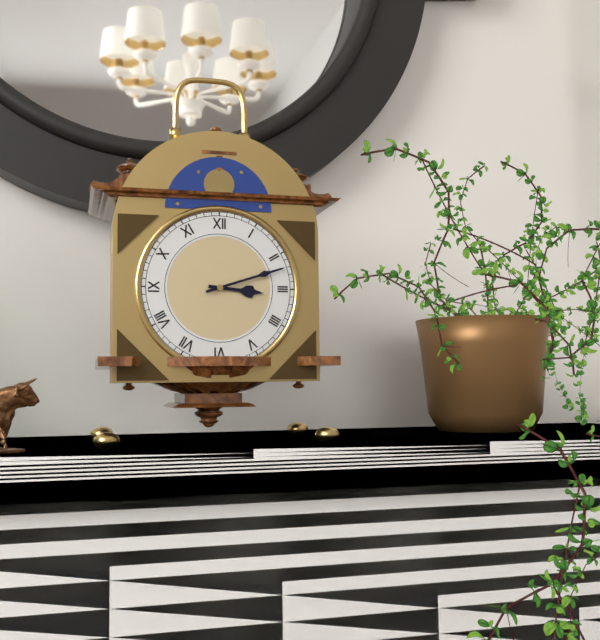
3:12
